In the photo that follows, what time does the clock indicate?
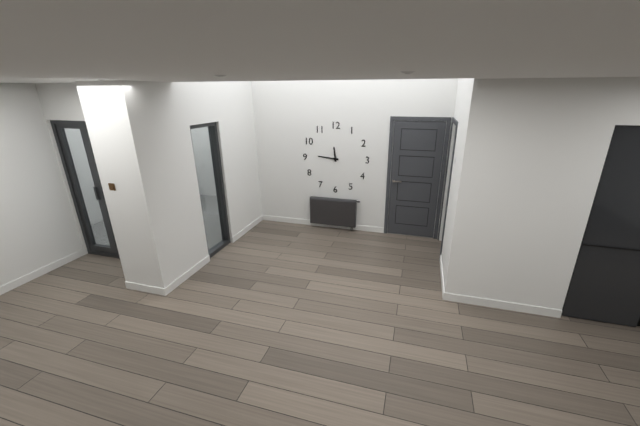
11:46
